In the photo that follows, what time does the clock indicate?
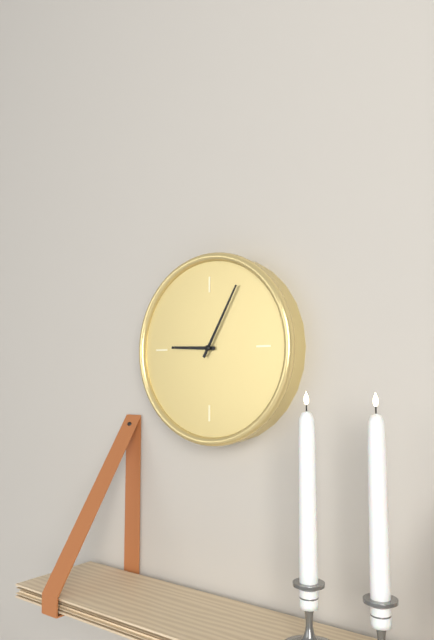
9:05
